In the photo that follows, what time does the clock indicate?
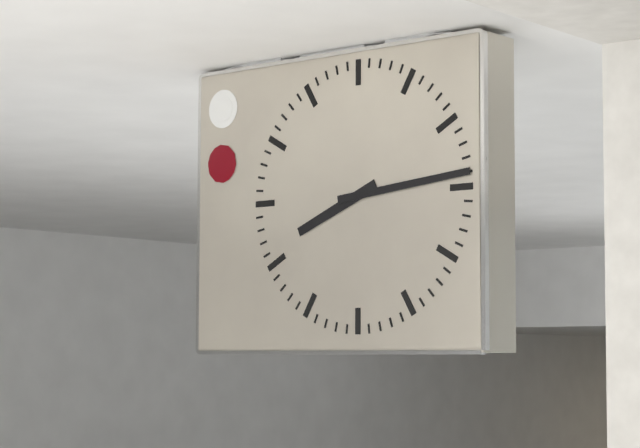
8:14
